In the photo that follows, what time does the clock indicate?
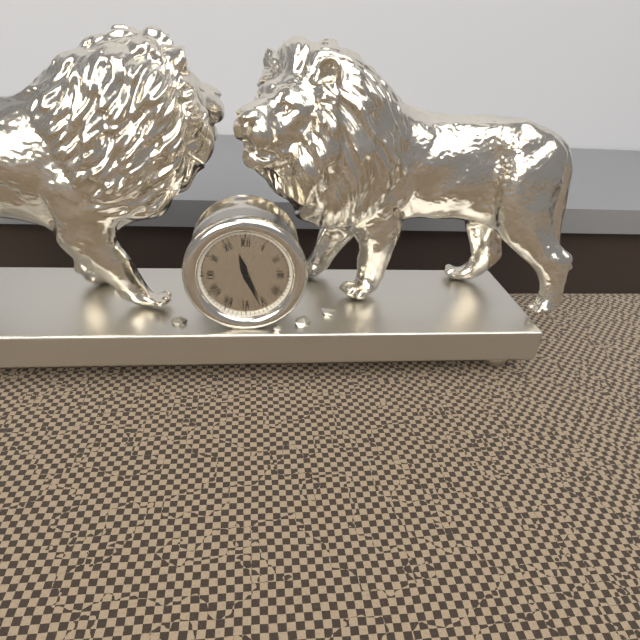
11:26
